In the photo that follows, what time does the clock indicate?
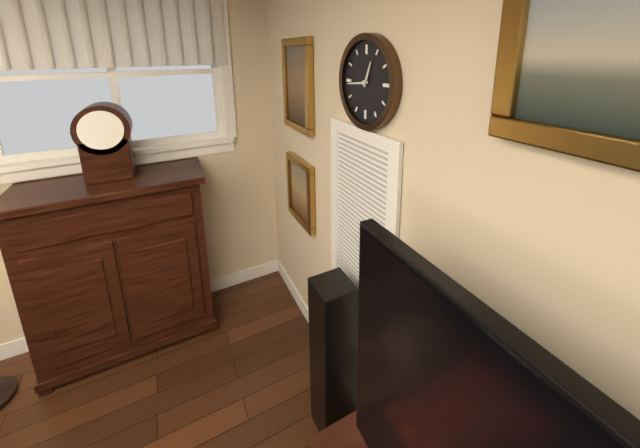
12:44
